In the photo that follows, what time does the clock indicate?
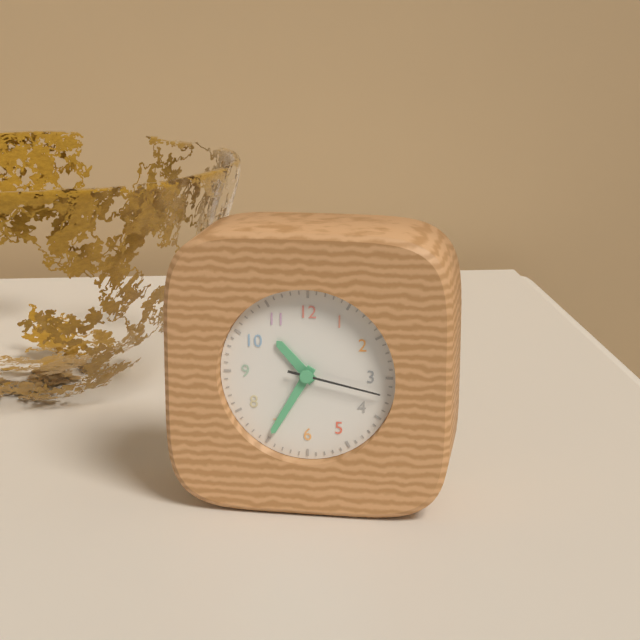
10:35:17
